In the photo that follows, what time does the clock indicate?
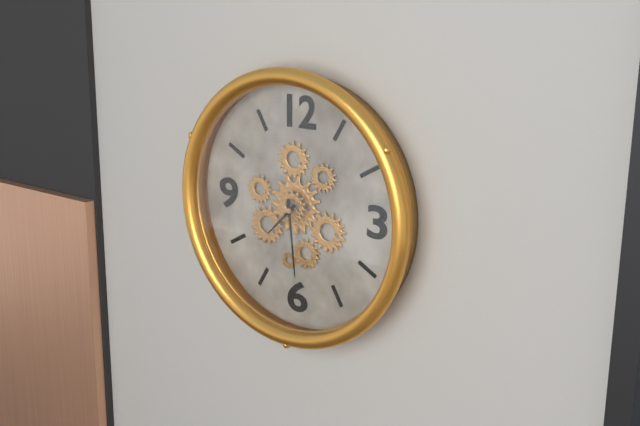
7:29
